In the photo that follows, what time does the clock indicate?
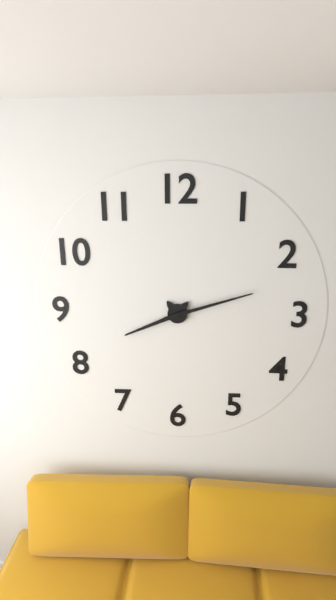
8:12
